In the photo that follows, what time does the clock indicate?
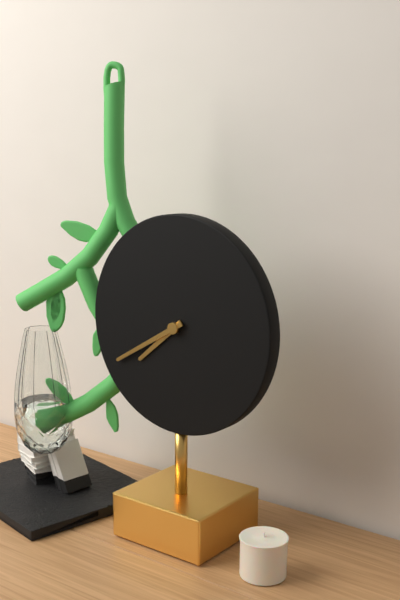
7:40
